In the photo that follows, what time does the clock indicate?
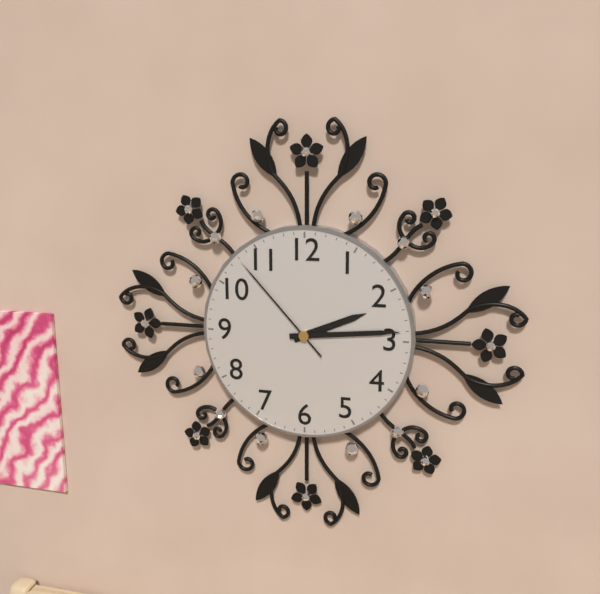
2:14:53
